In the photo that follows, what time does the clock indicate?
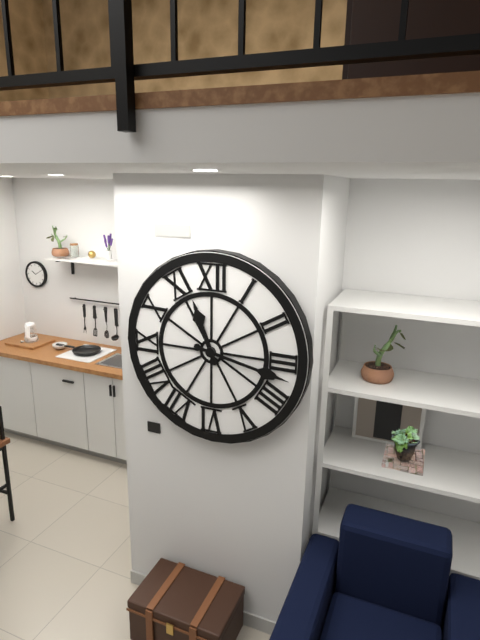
11:17
